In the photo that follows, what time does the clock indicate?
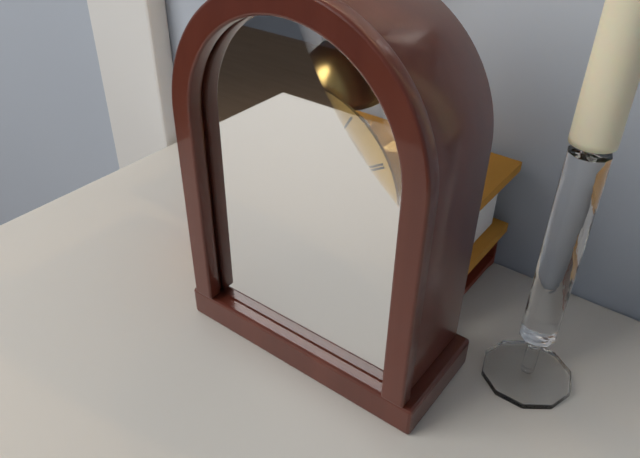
9:29
